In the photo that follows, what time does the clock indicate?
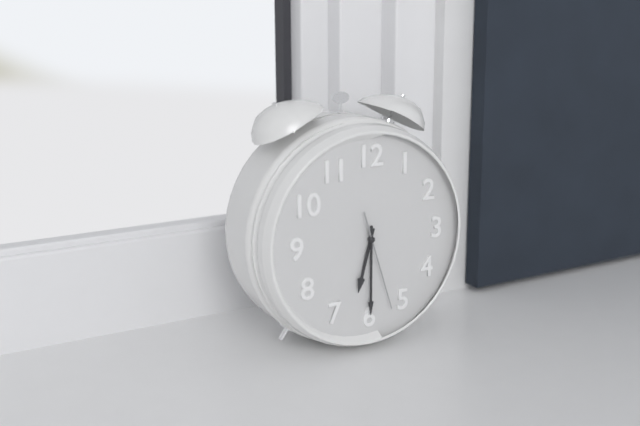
6:30:27
